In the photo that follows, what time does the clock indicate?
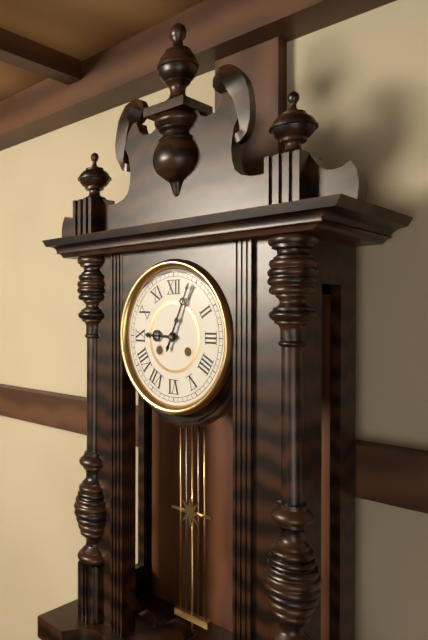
9:04
